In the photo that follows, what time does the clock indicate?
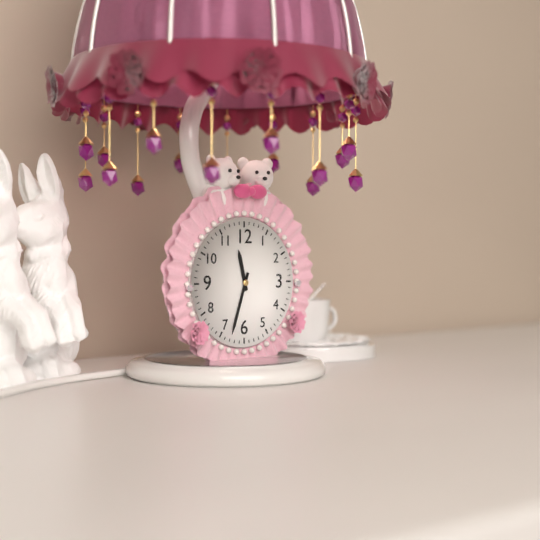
11:33
